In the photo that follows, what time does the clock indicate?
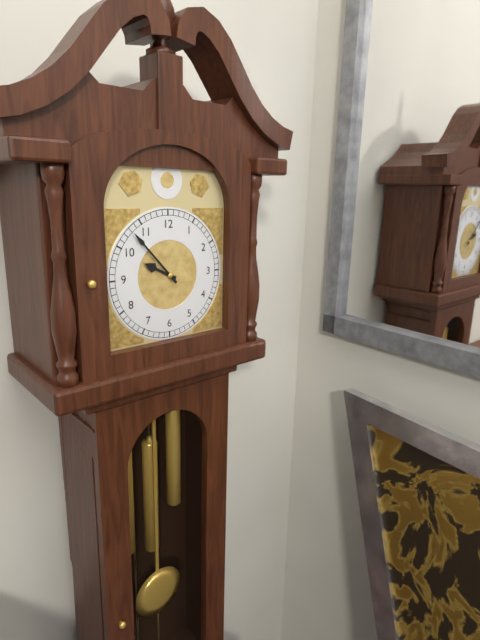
9:53
